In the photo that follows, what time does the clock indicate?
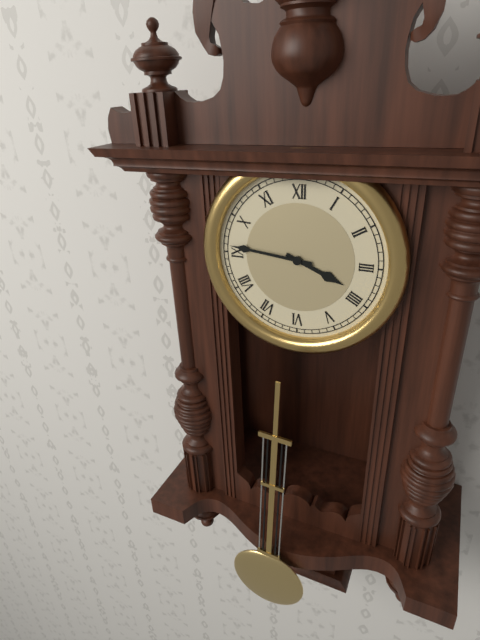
3:46
